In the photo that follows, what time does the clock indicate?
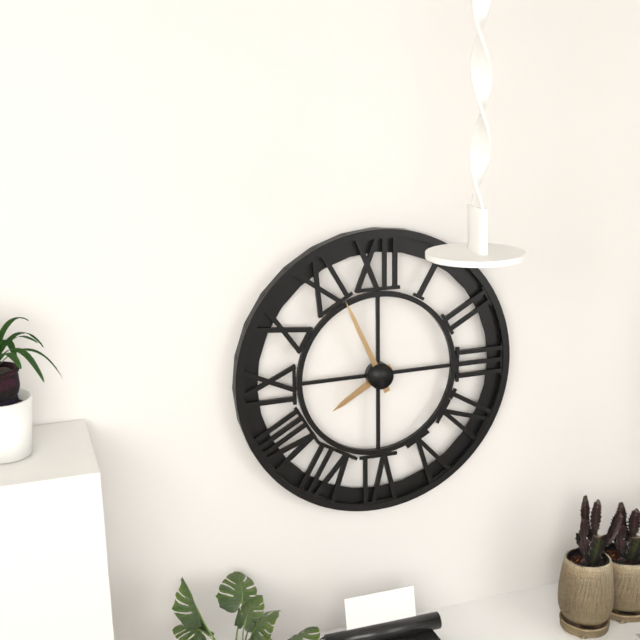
7:56
